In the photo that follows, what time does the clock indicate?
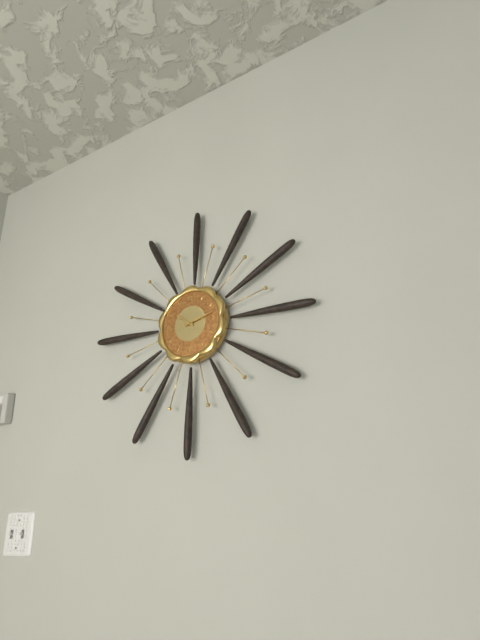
10:13
